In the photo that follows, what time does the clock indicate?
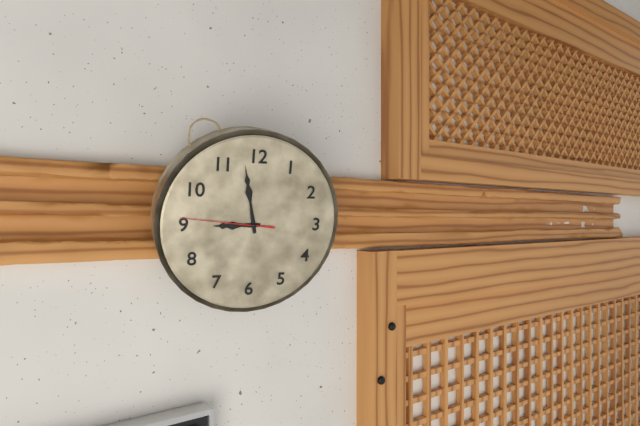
8:58:46
